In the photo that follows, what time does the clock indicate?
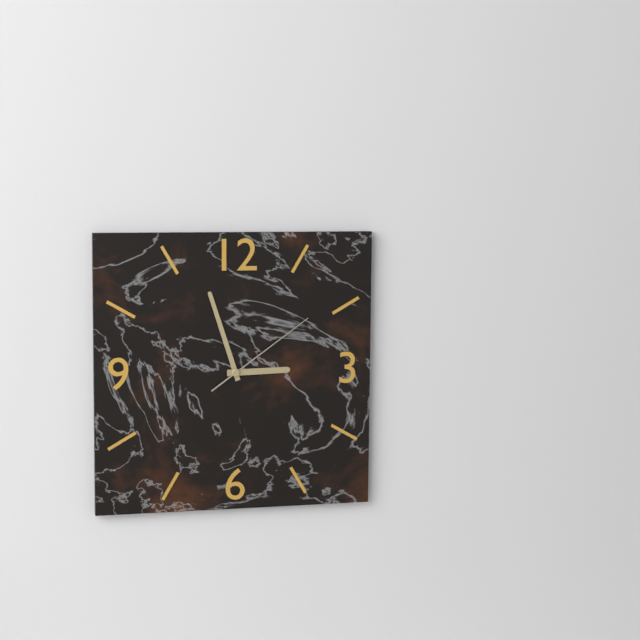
2:57:09
